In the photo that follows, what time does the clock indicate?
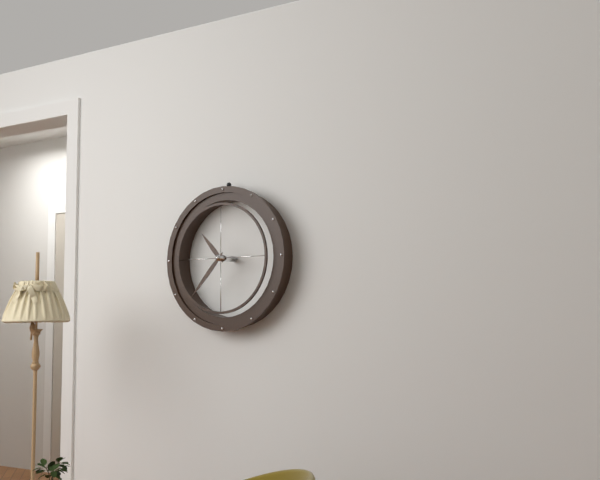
10:37
